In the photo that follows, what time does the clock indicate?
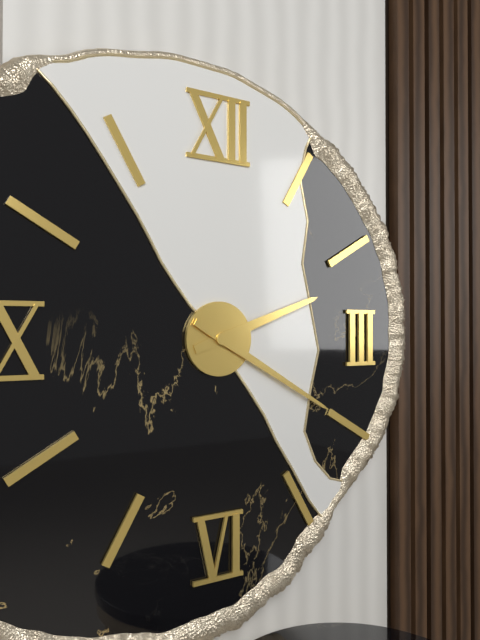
2:20
